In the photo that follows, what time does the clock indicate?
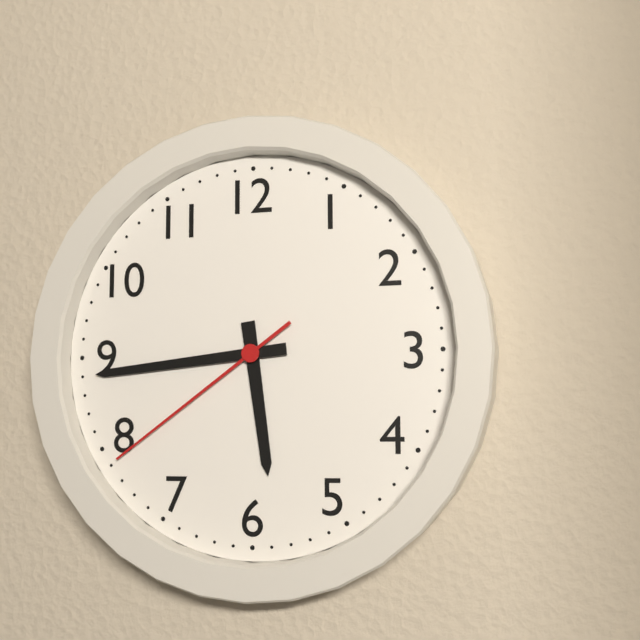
5:44:39
